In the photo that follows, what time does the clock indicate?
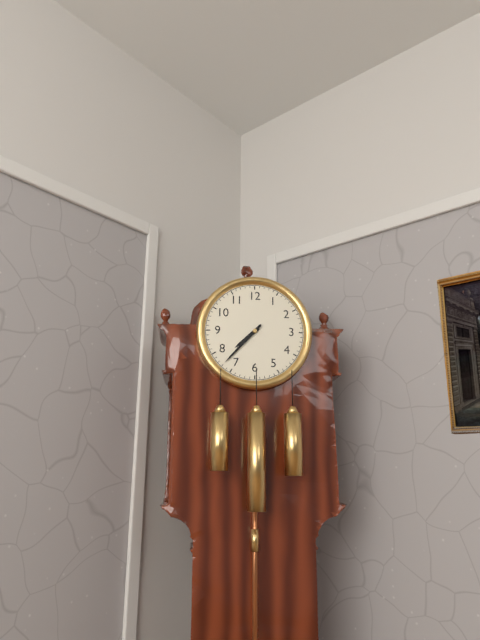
7:37
